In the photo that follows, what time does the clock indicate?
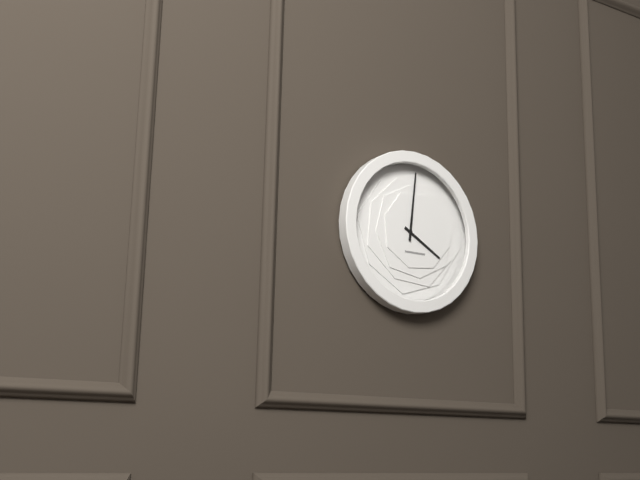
4:01
